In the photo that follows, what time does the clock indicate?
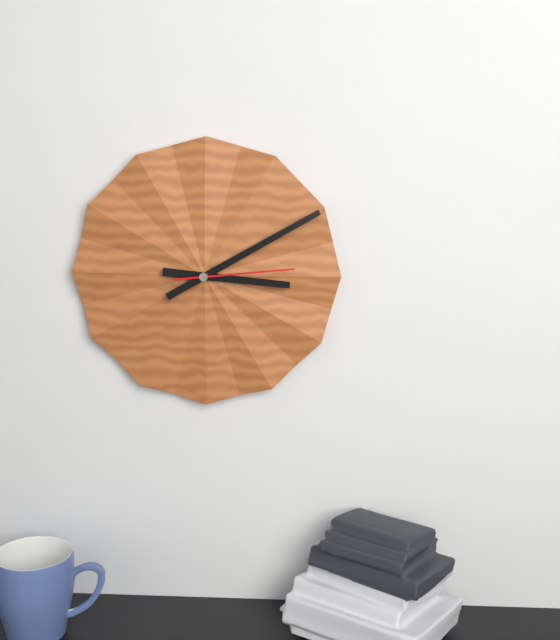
3:10:14
